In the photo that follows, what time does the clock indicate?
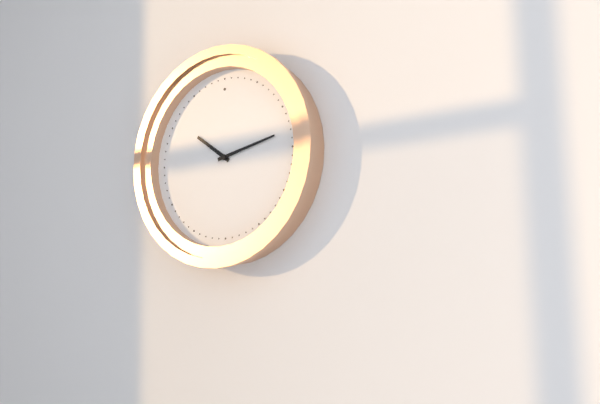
10:13
